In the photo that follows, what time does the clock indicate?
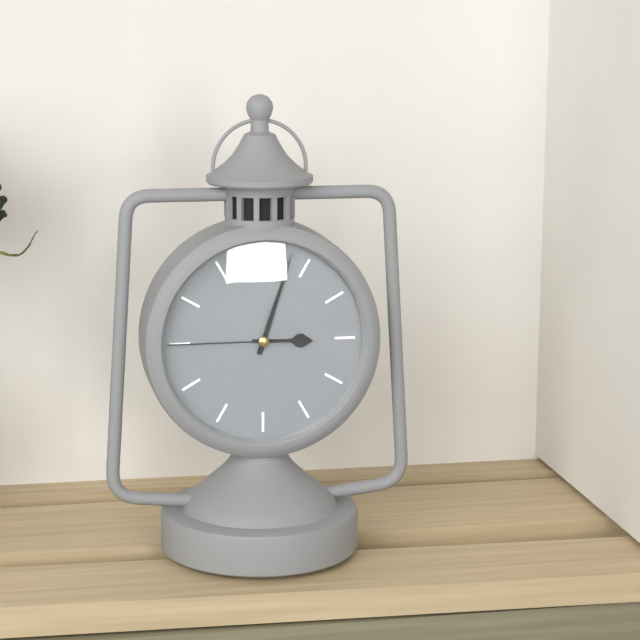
3:03:45
